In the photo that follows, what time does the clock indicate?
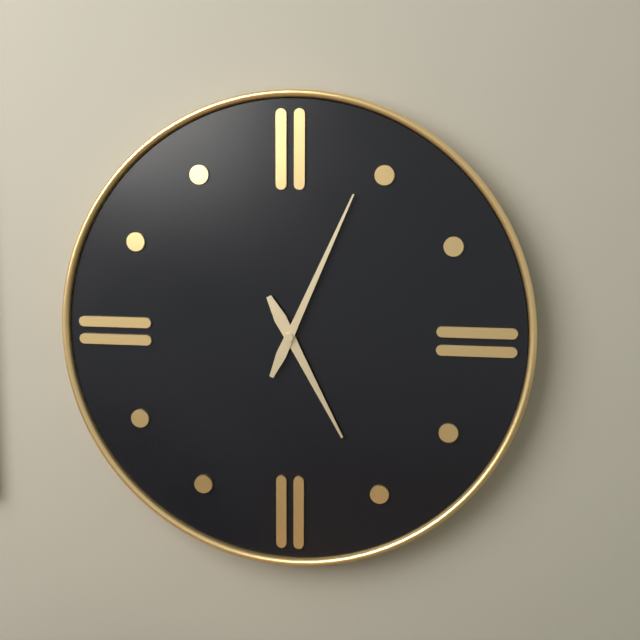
5:04
